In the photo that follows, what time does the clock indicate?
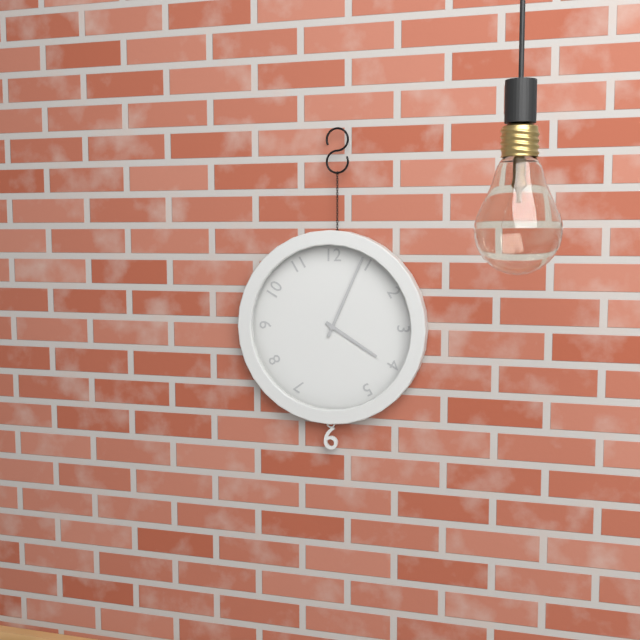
4:04
